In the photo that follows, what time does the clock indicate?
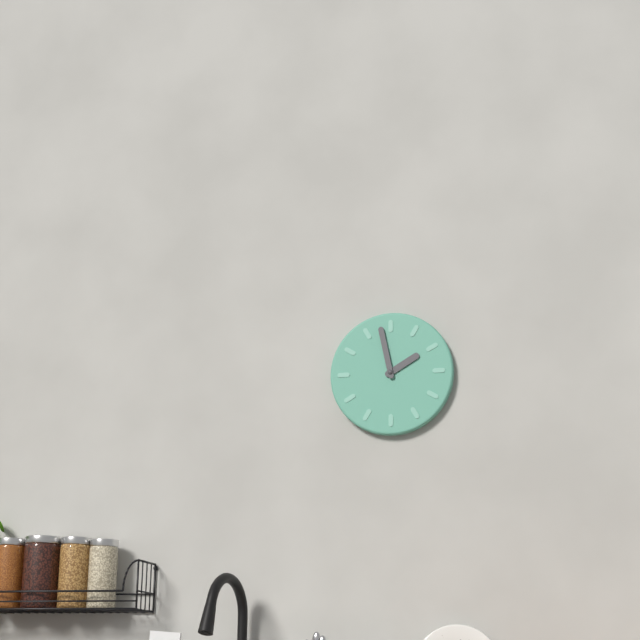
1:58
